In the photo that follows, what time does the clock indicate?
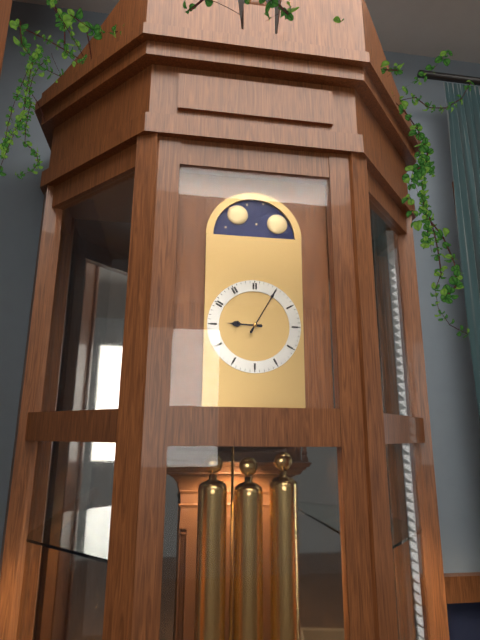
9:05
